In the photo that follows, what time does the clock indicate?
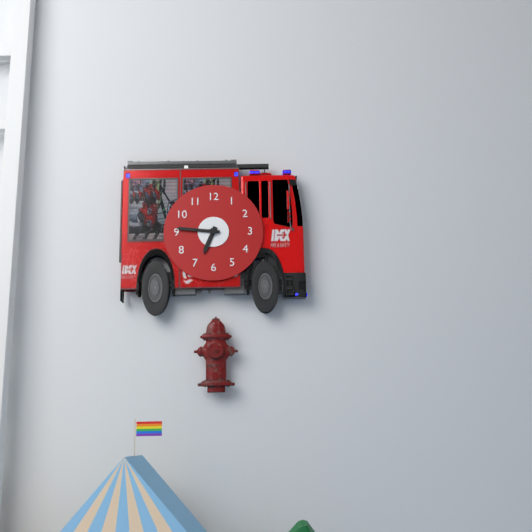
6:46
